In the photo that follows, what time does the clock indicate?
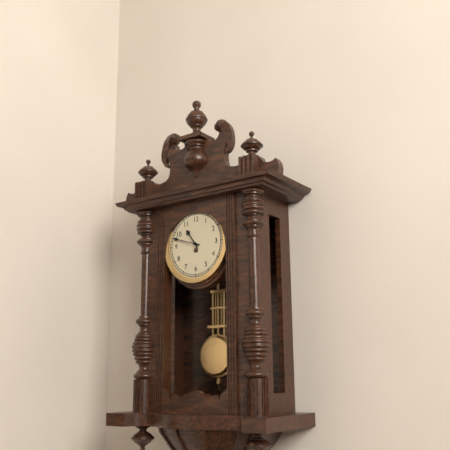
10:48
